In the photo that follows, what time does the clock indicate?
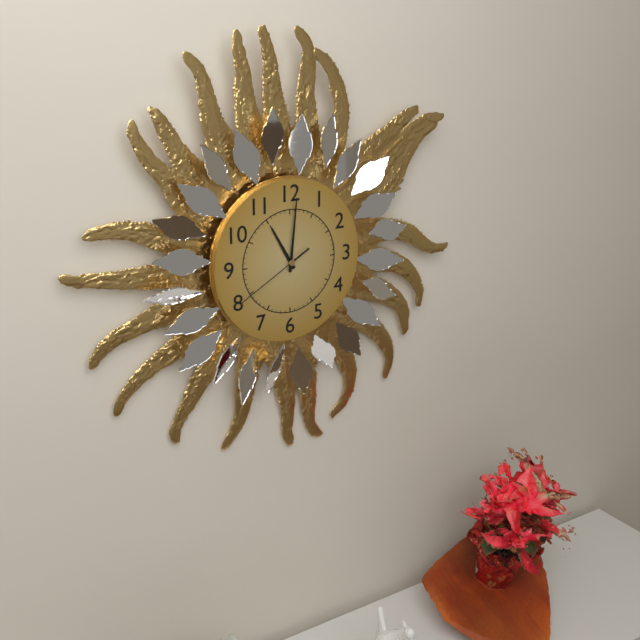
11:01:40
